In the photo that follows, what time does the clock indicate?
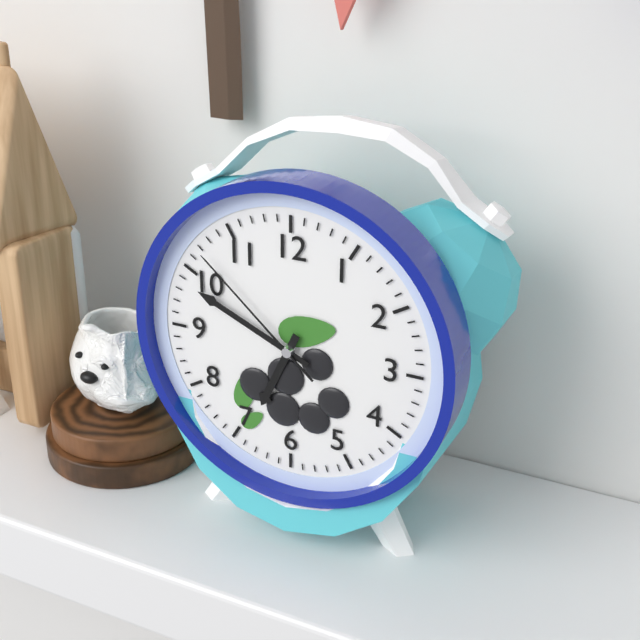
6:49:52
